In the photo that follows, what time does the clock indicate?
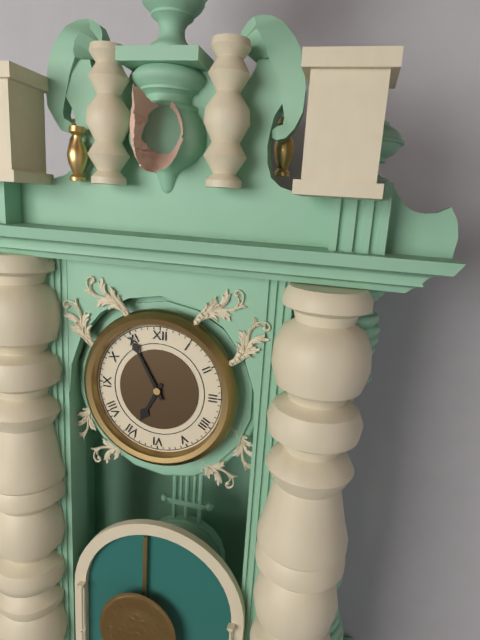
6:55
